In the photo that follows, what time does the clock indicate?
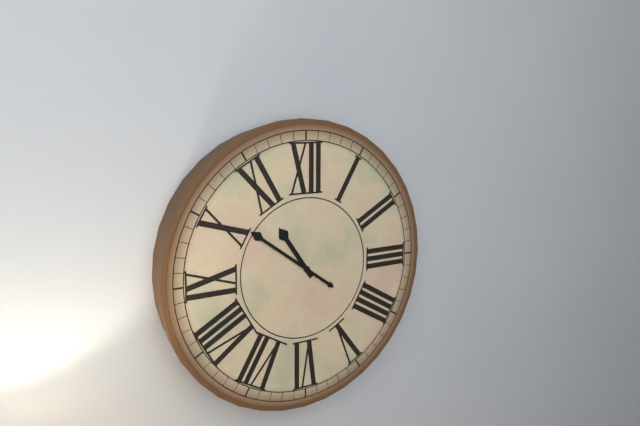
10:51
